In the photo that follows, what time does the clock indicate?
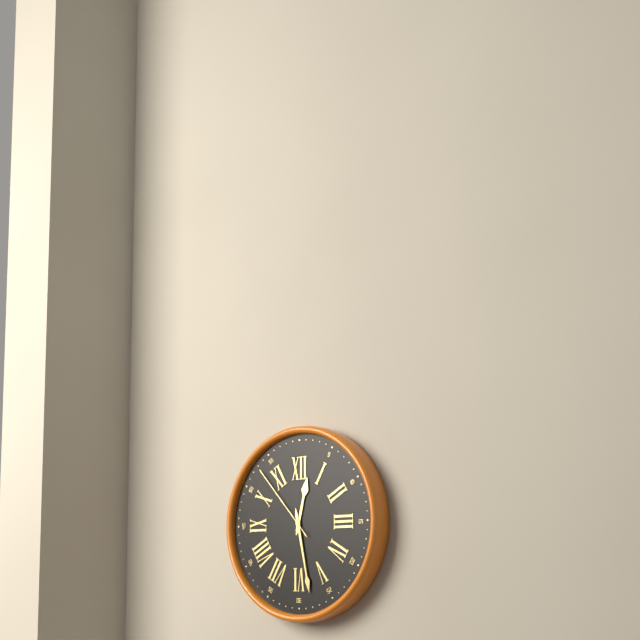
12:28:53
